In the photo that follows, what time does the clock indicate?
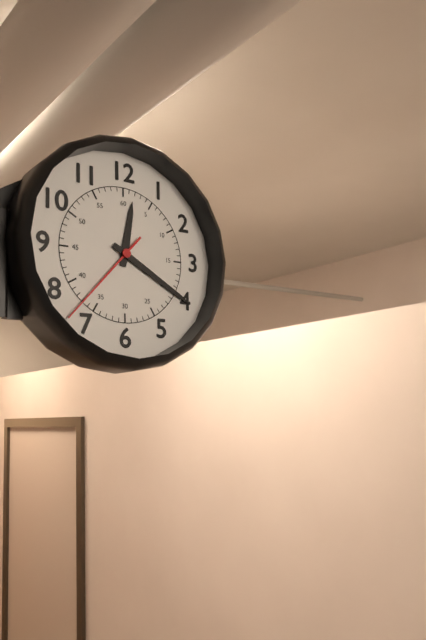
12:20:37
